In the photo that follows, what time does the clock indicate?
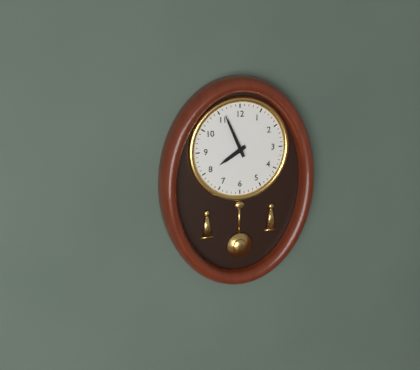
7:56
